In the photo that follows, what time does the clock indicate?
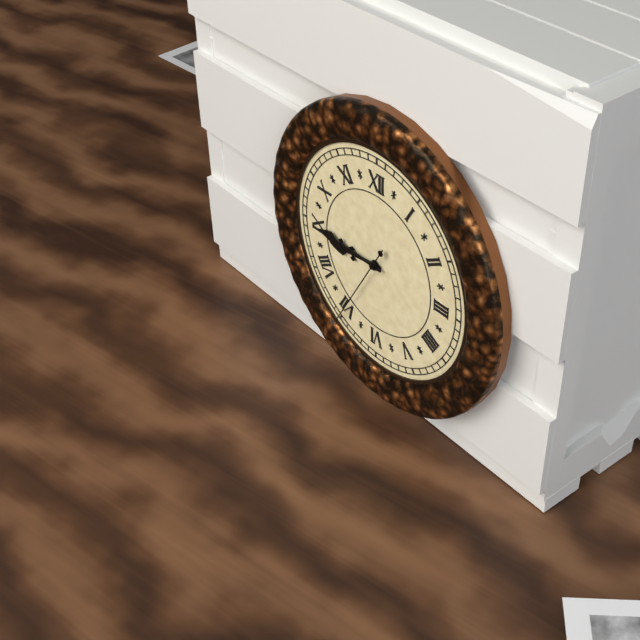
8:45:35
